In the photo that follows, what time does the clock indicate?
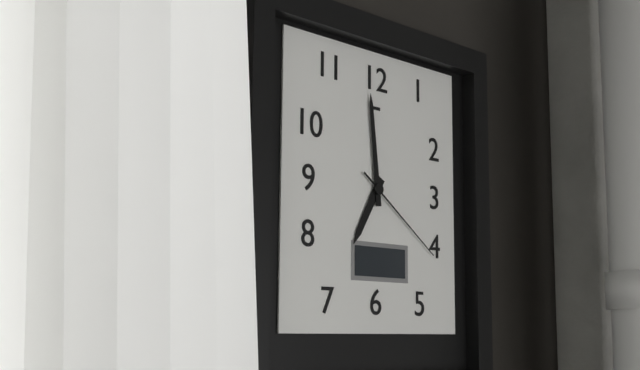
6:59:21
